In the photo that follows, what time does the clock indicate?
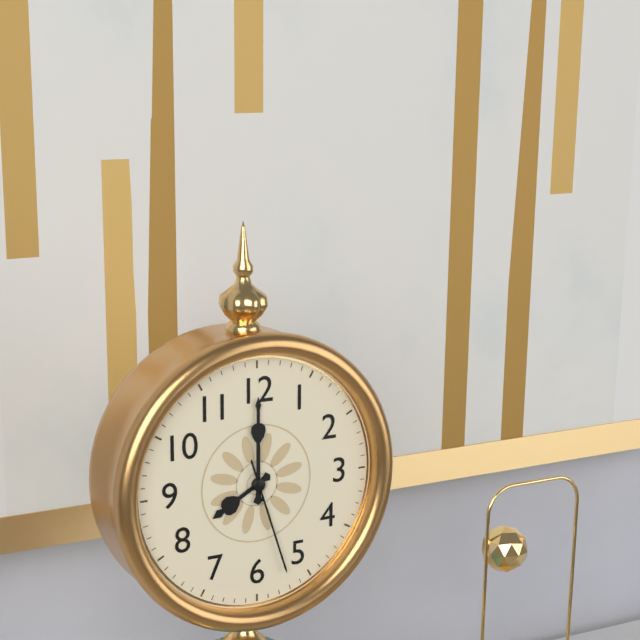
8:00:27
